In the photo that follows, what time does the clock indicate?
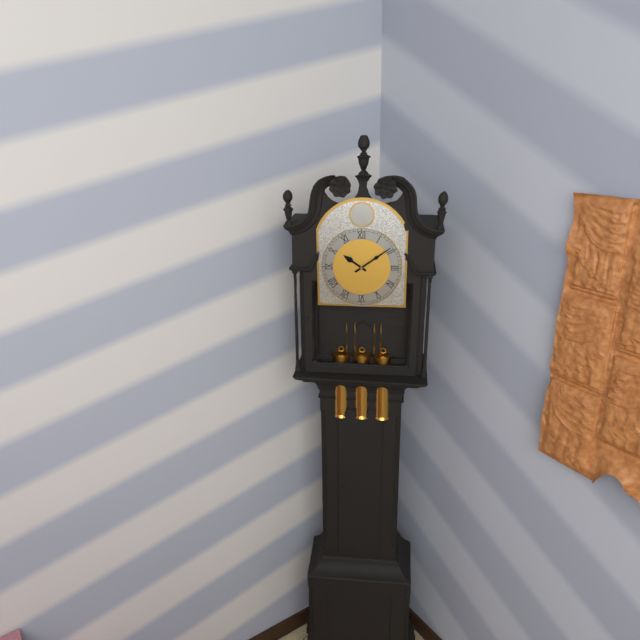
10:09
